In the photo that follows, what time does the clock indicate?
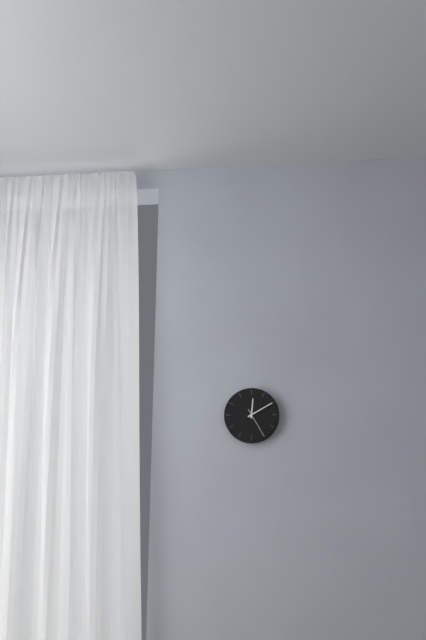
12:10
